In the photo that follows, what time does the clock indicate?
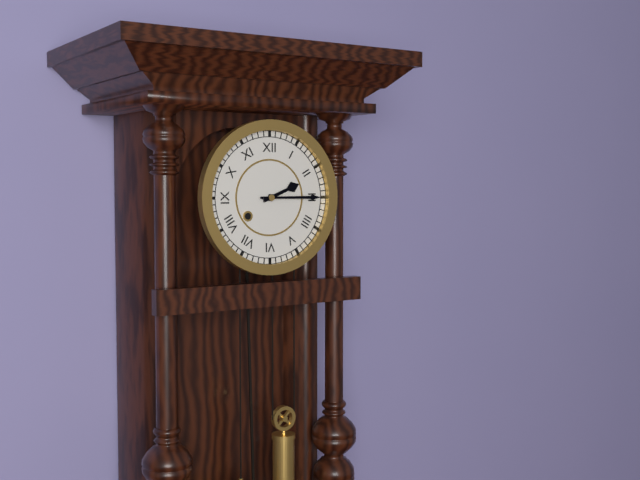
2:15
